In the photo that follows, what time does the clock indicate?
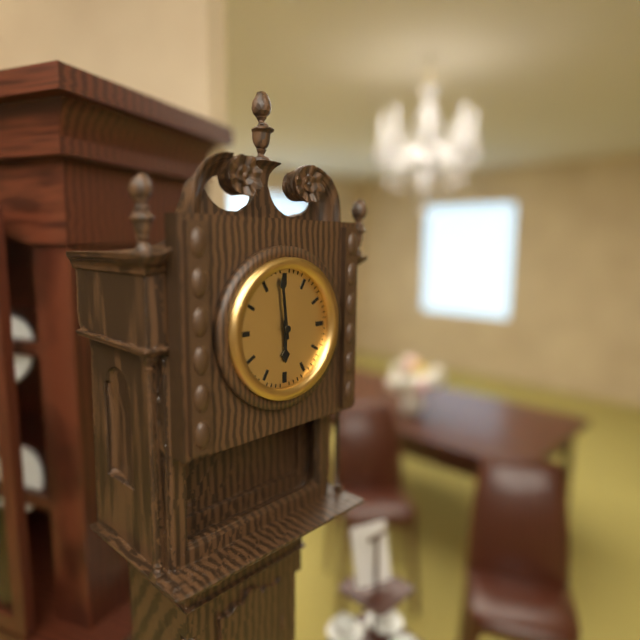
5:59
